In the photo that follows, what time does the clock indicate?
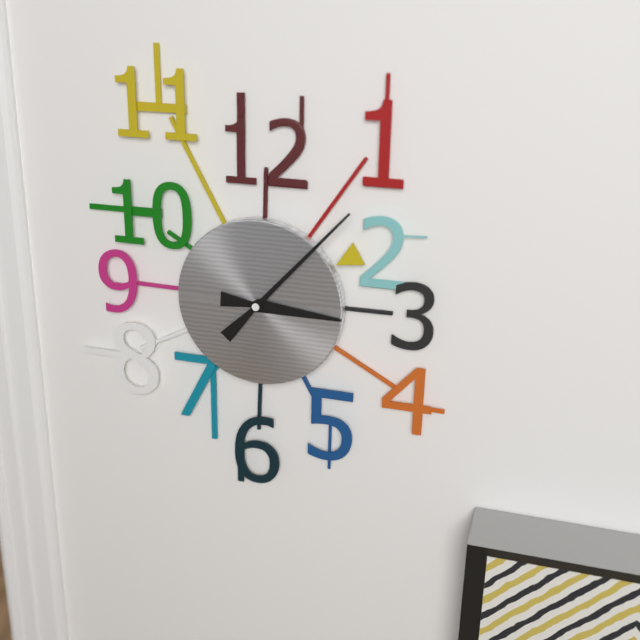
3:07
